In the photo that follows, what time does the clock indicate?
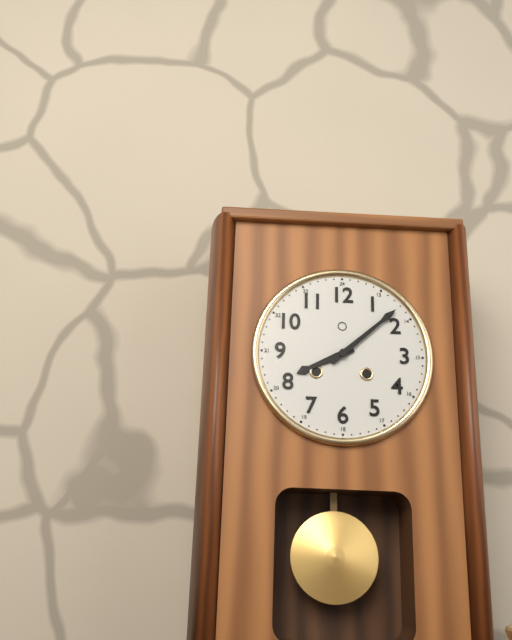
8:08
